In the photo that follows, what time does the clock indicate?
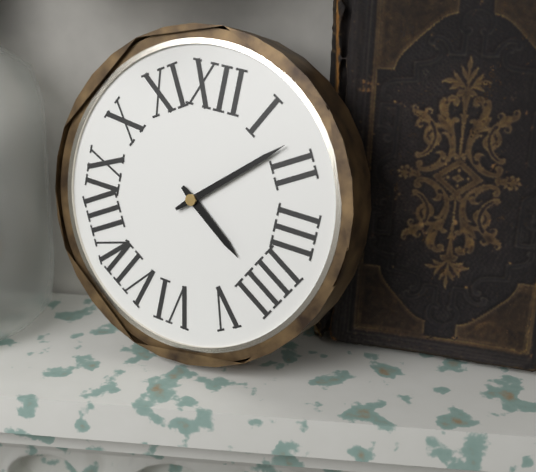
4:08
